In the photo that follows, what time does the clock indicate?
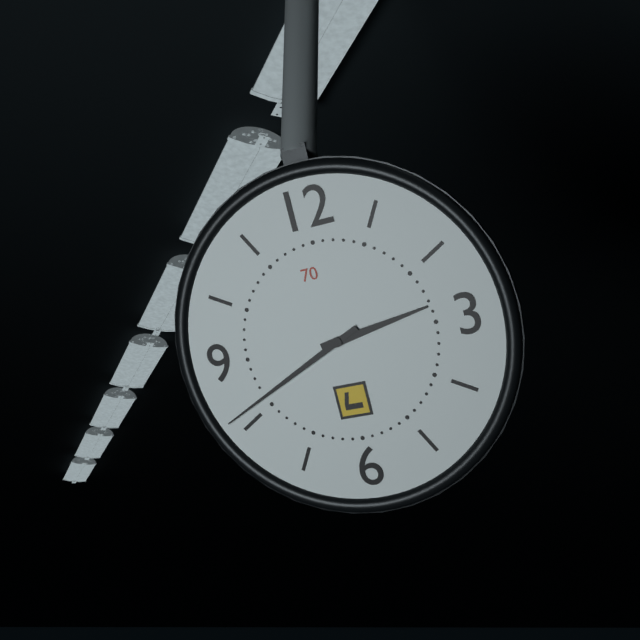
2:41
